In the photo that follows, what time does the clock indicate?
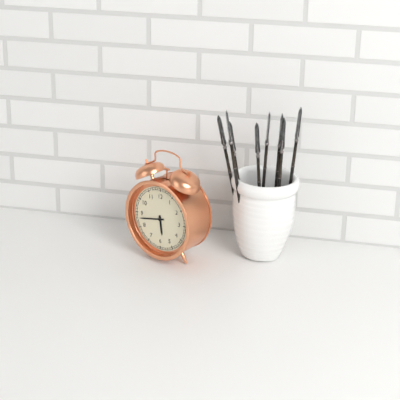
5:43
